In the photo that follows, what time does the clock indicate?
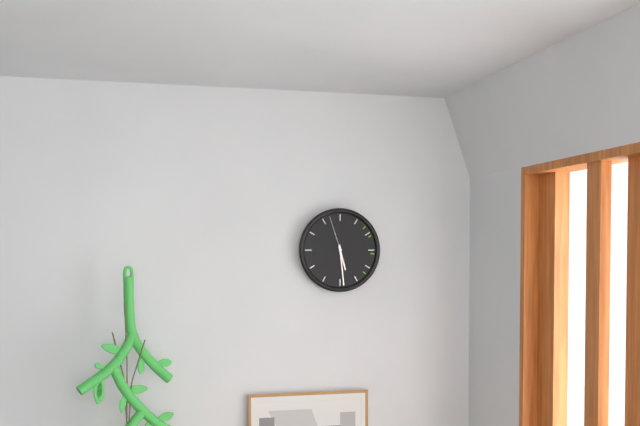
5:29
